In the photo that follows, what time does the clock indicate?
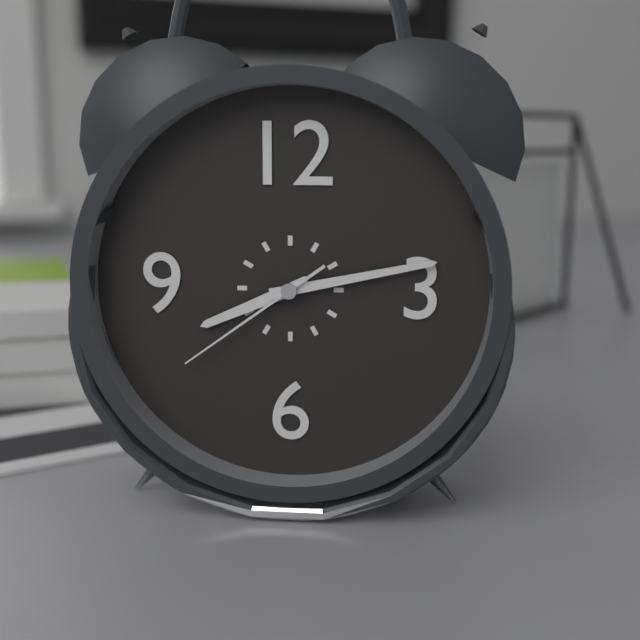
8:13:39
